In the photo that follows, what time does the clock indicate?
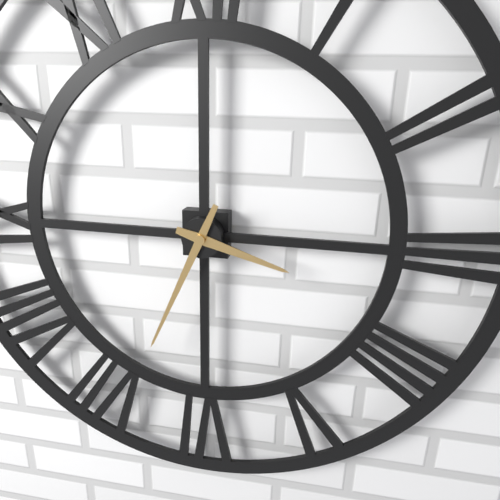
3:34
